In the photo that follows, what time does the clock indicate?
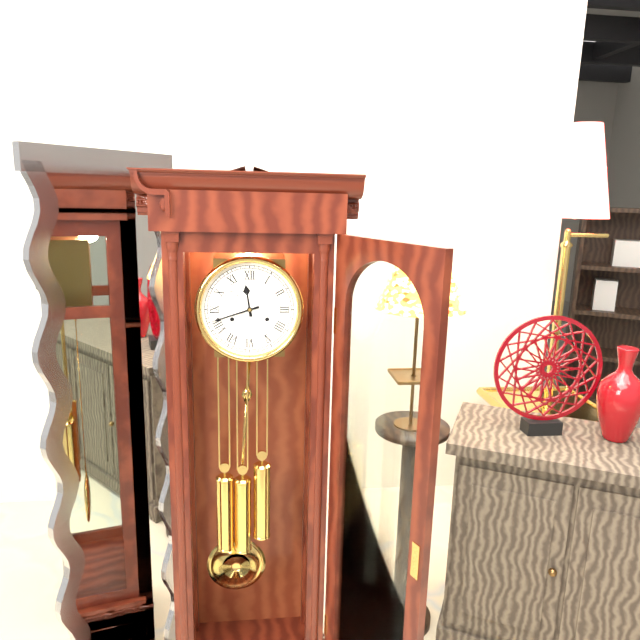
11:42
